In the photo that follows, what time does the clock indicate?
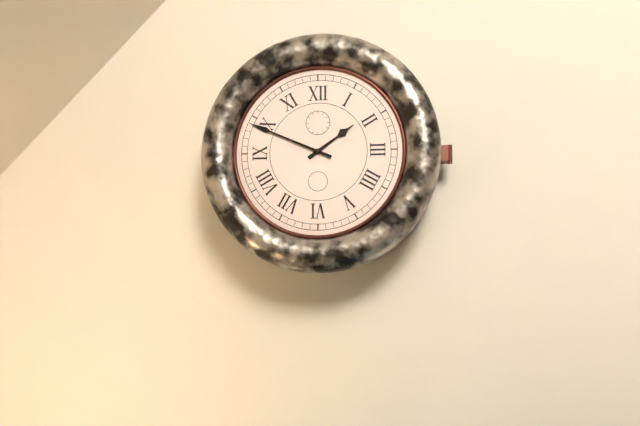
1:49
